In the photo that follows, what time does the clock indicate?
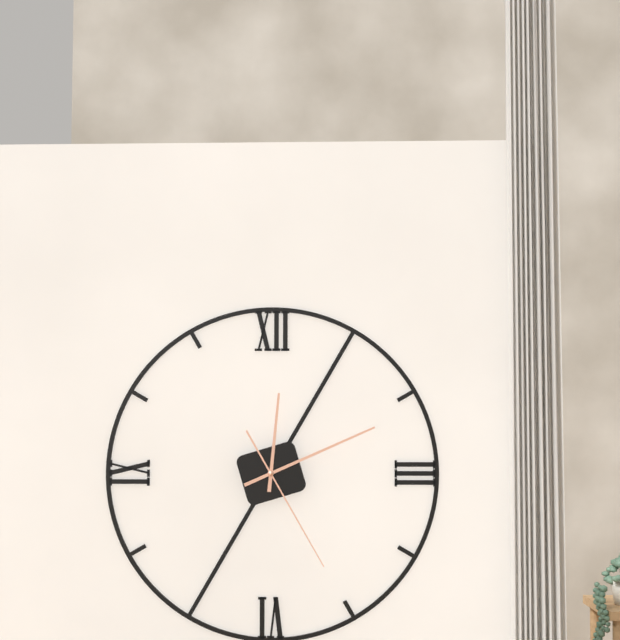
12:11:25
